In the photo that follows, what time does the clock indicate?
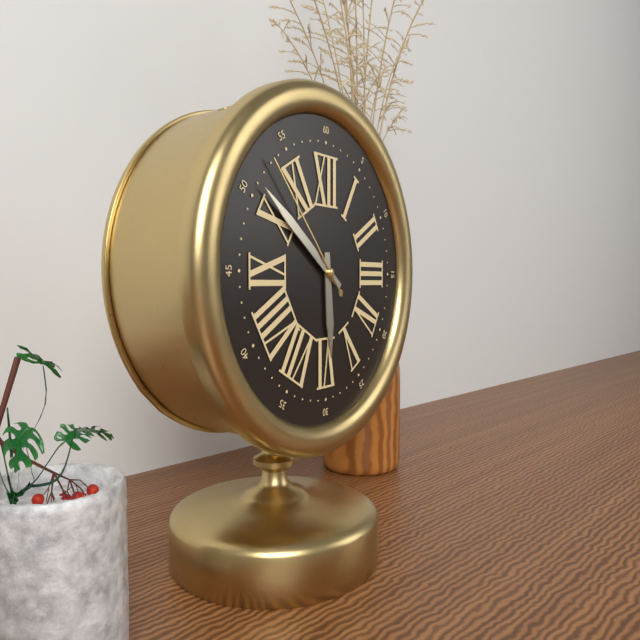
5:51:53
